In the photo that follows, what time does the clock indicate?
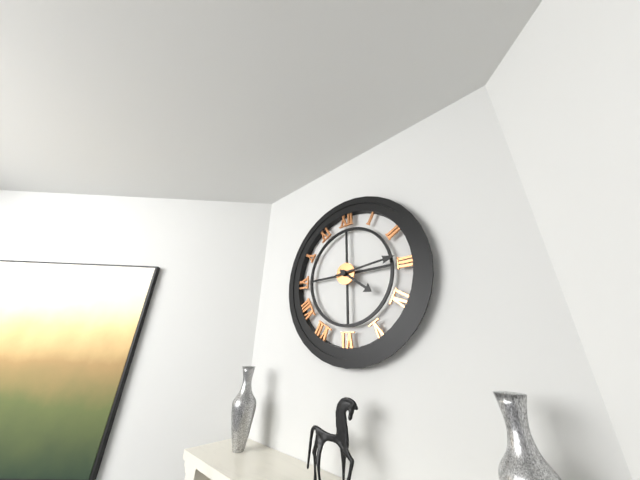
4:14
